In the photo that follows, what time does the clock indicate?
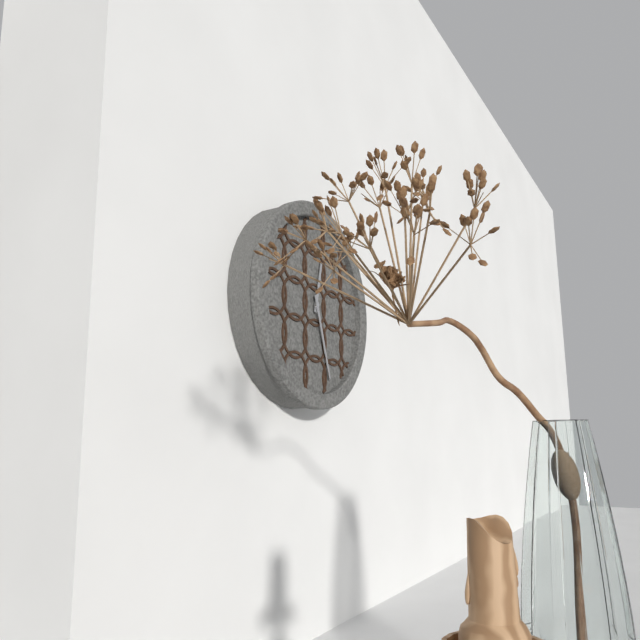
12:27
